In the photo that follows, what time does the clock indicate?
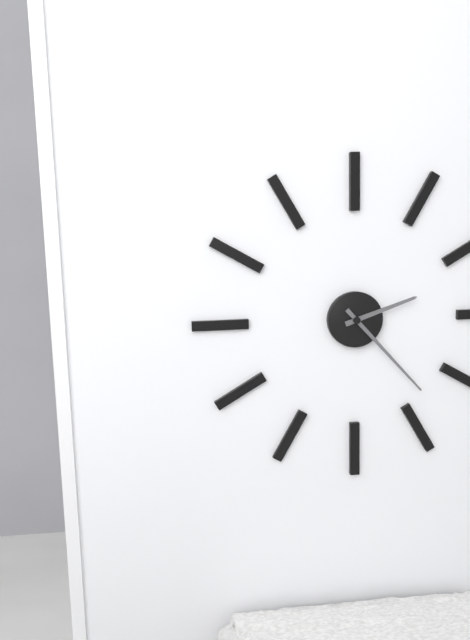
2:23
